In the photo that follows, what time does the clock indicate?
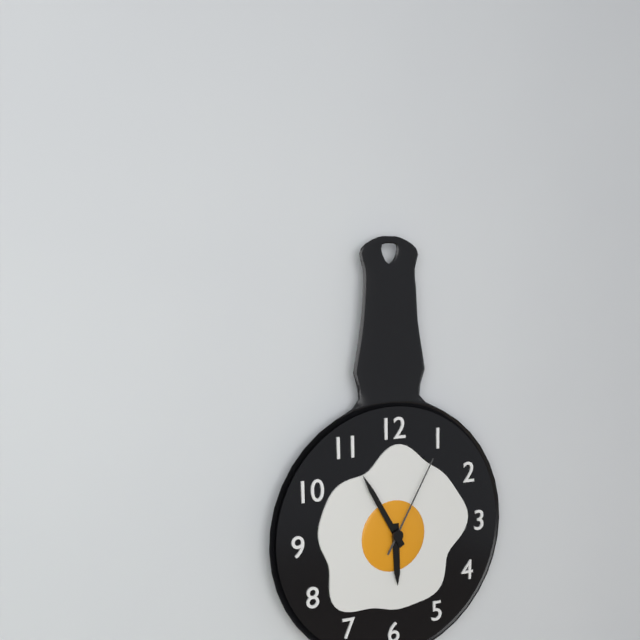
5:55:05
